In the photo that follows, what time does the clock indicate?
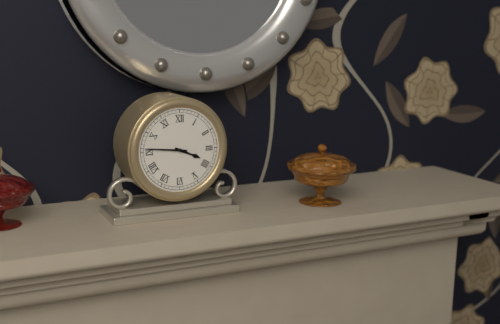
3:46
